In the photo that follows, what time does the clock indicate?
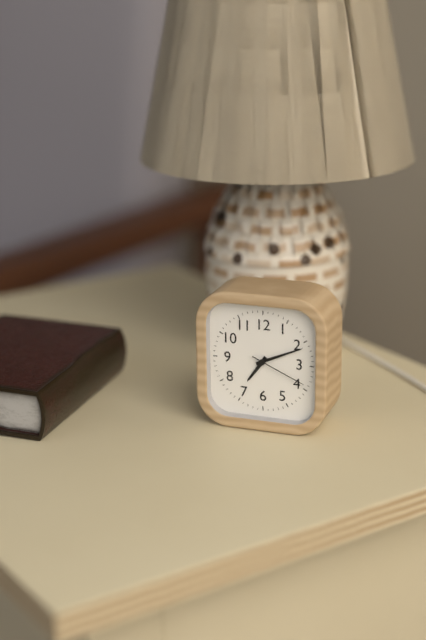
7:11:19
